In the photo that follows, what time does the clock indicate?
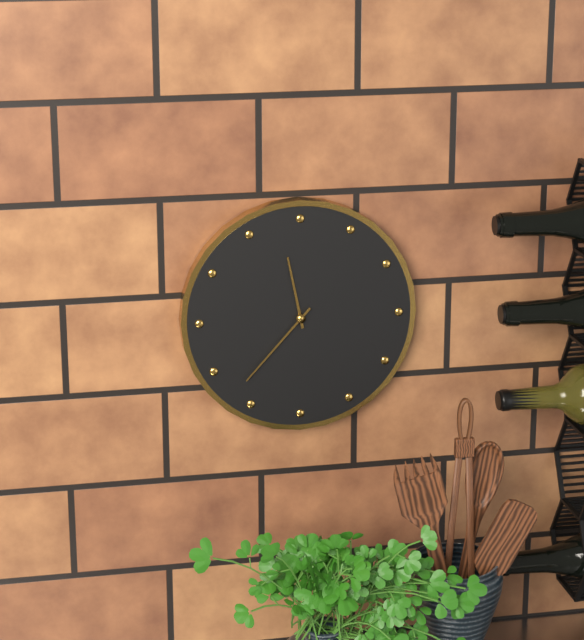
11:37
